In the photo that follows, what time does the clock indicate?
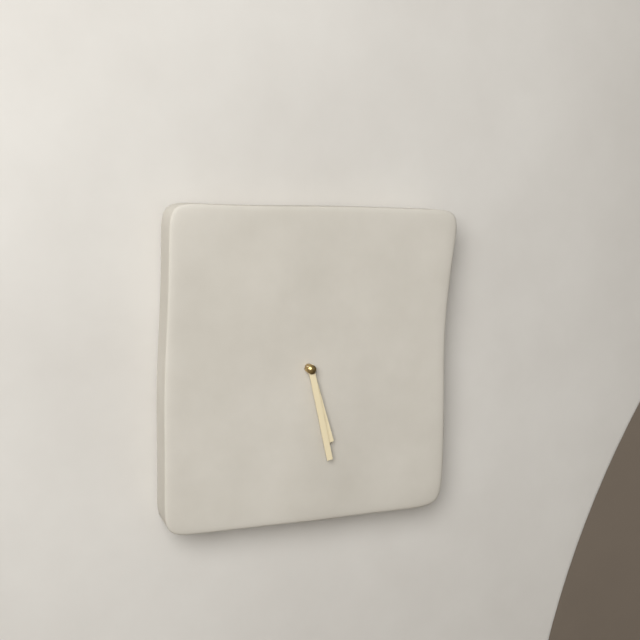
5:28
